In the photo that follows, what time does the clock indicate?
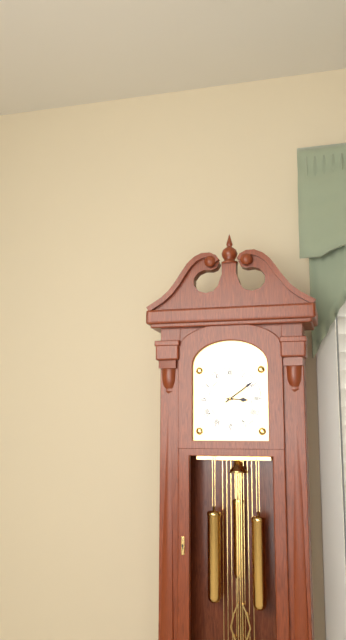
3:09
